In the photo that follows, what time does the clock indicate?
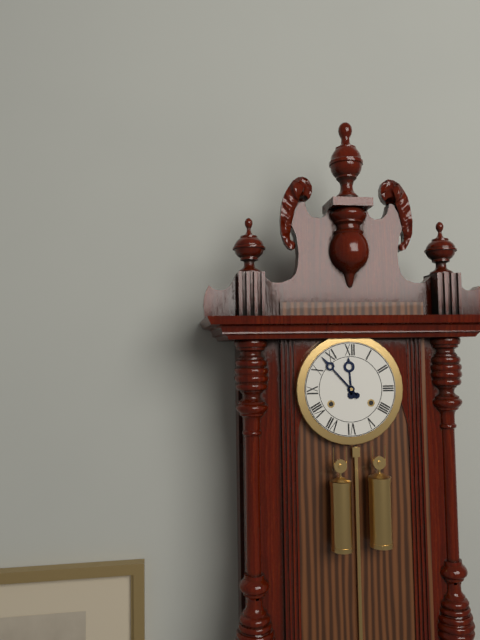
11:53
